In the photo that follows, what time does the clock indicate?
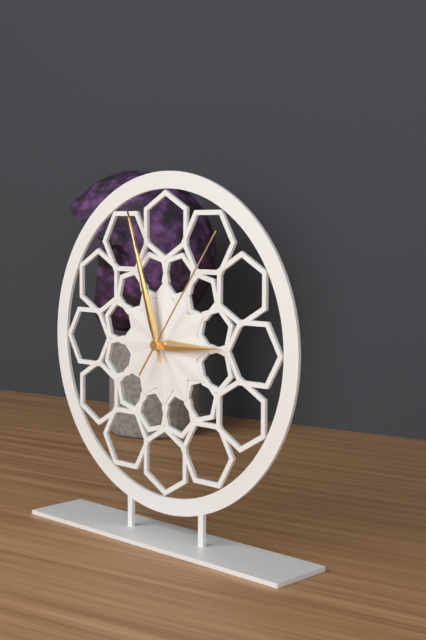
2:57:06
